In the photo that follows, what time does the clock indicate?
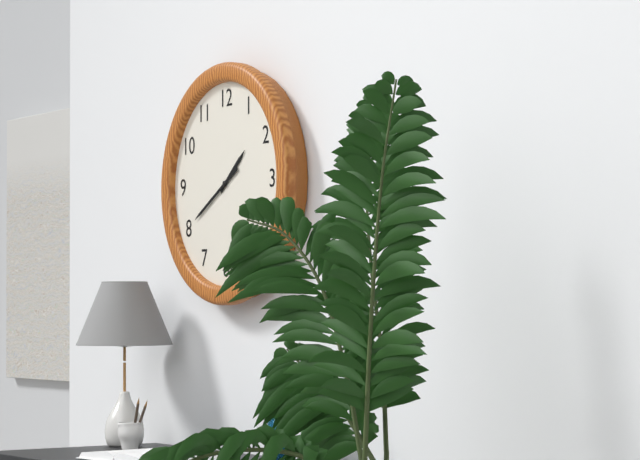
1:40
